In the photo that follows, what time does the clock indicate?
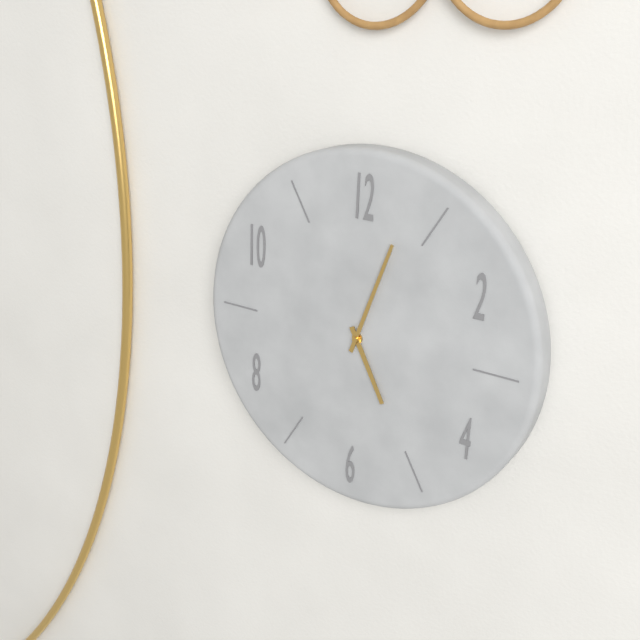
5:03
